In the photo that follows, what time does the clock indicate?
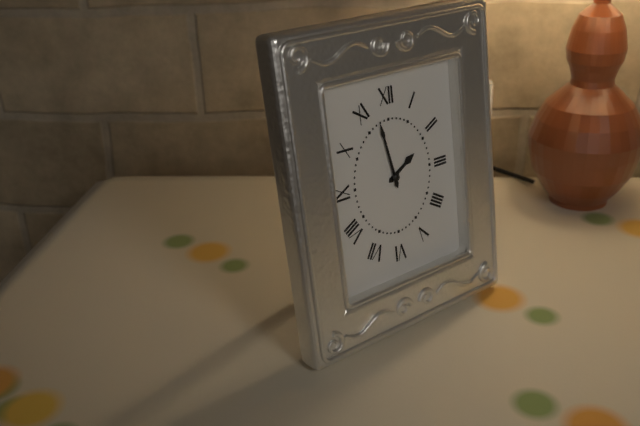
1:58
